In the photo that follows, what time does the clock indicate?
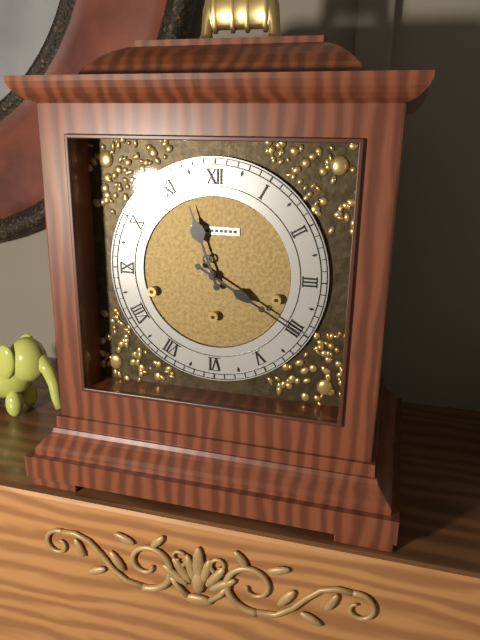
11:20
